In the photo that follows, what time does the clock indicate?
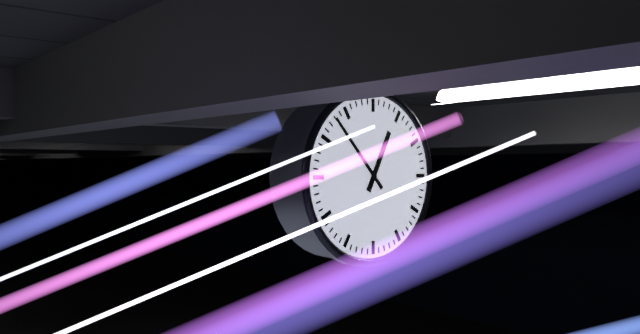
12:53
